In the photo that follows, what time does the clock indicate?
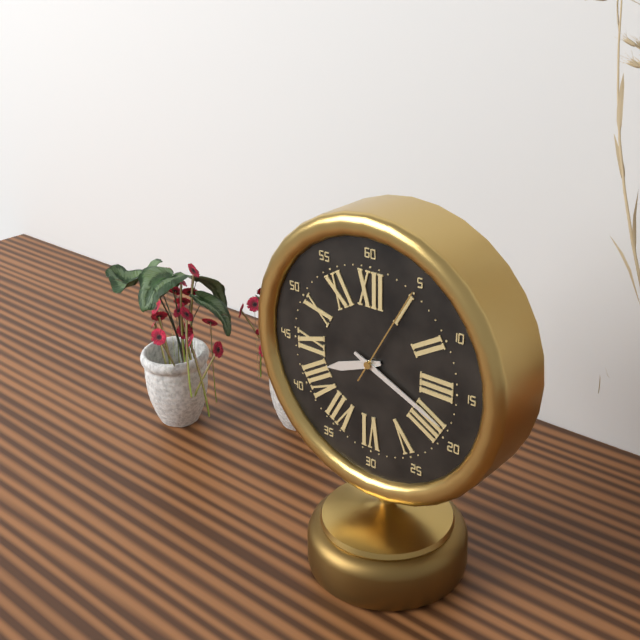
8:19:05
